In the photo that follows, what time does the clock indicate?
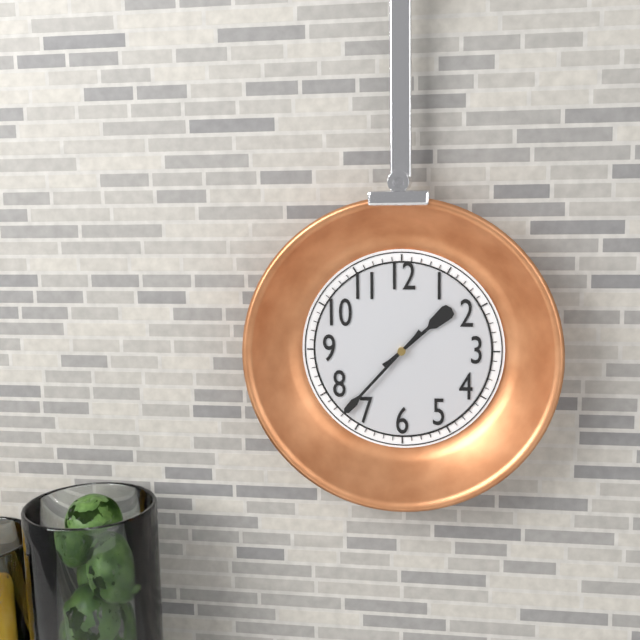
1:37
